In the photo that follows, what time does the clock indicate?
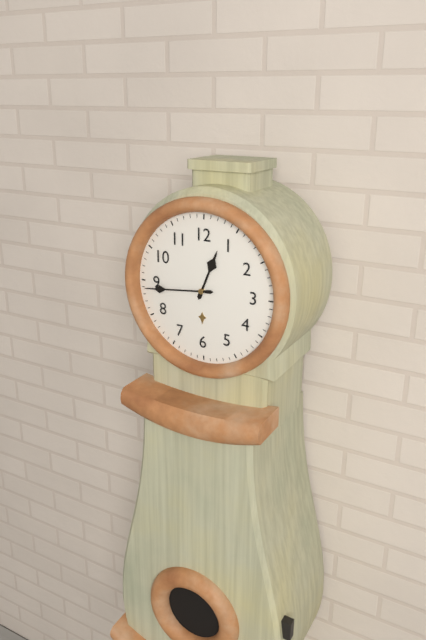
12:44
